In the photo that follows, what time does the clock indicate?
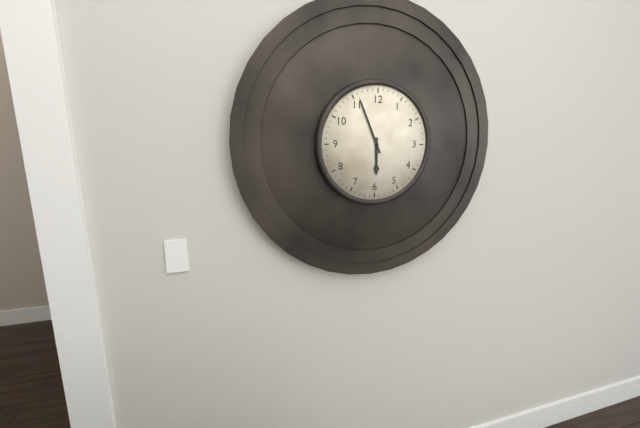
5:56
